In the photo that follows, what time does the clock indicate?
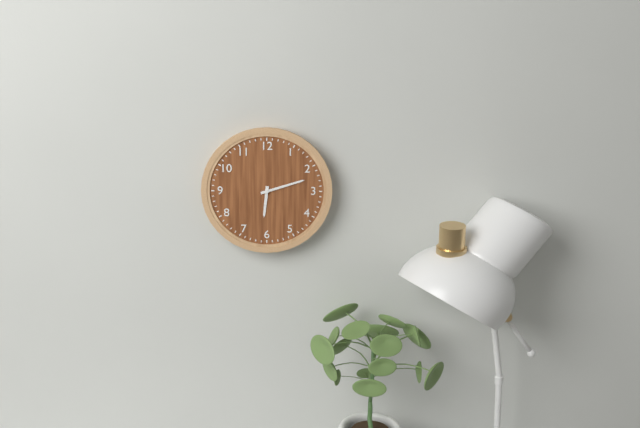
6:12
